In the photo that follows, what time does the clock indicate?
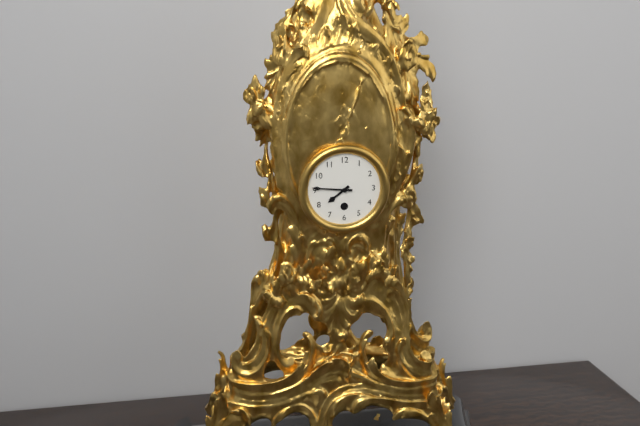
7:46
